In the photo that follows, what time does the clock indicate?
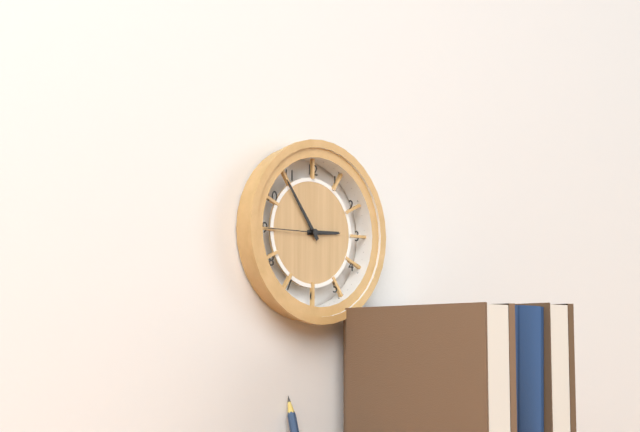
2:54:45
